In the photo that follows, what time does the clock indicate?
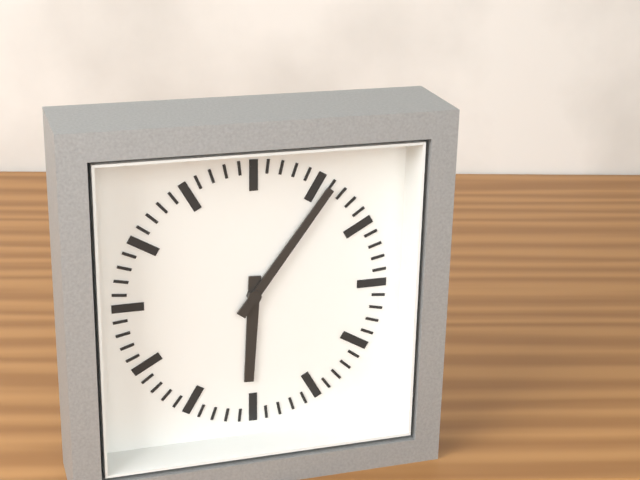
6:06
